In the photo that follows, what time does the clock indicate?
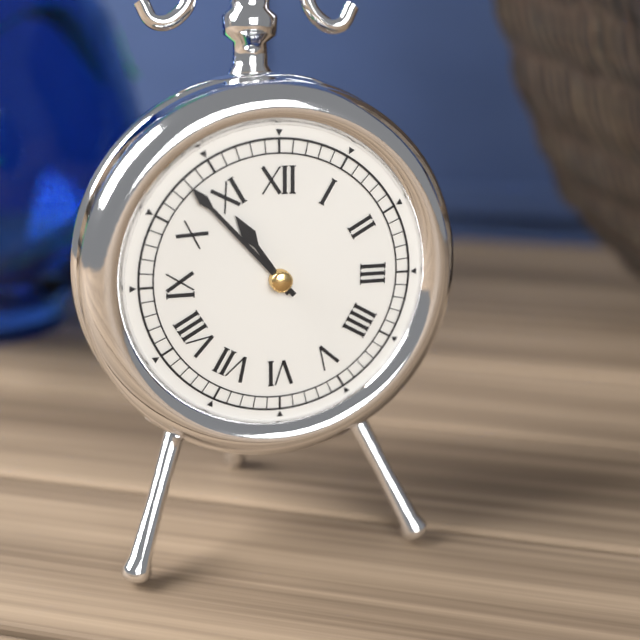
10:53
